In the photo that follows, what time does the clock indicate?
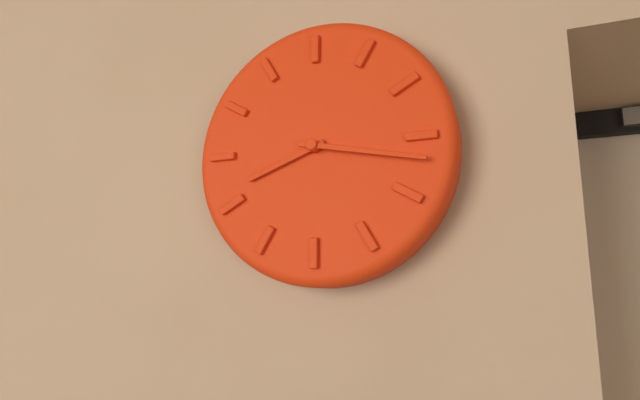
8:17
